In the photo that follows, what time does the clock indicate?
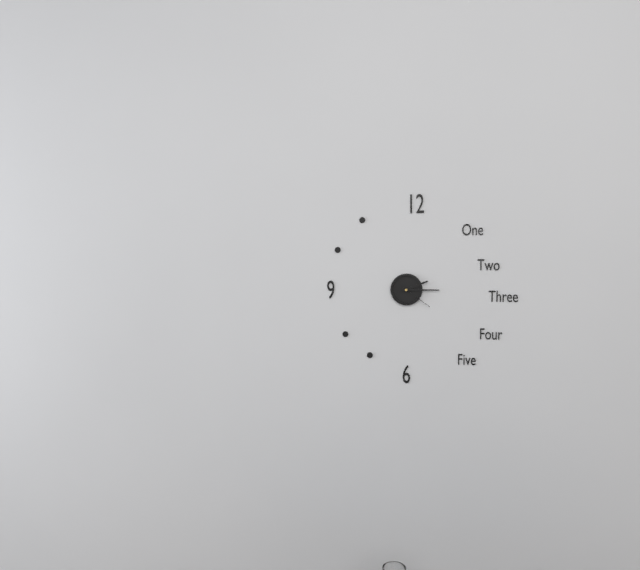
2:15
